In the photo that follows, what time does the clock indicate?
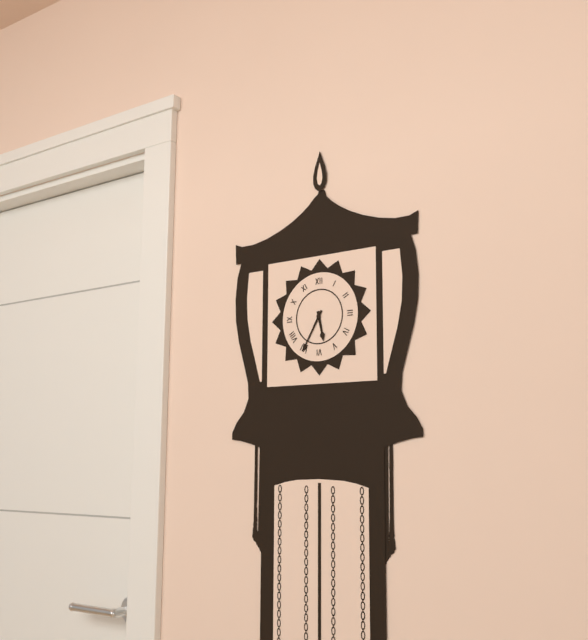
5:35
